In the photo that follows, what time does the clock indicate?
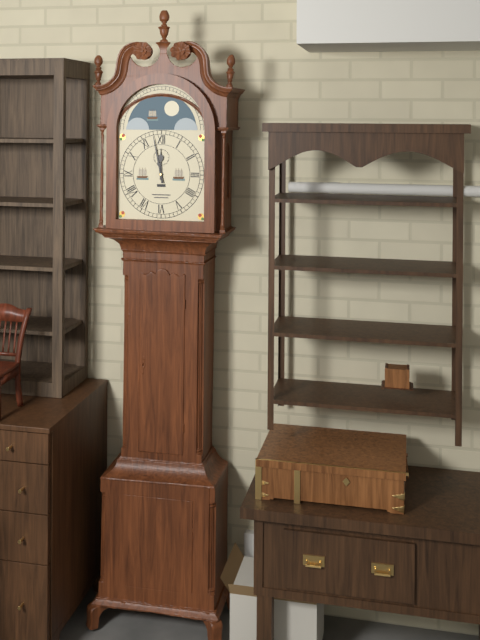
11:58
